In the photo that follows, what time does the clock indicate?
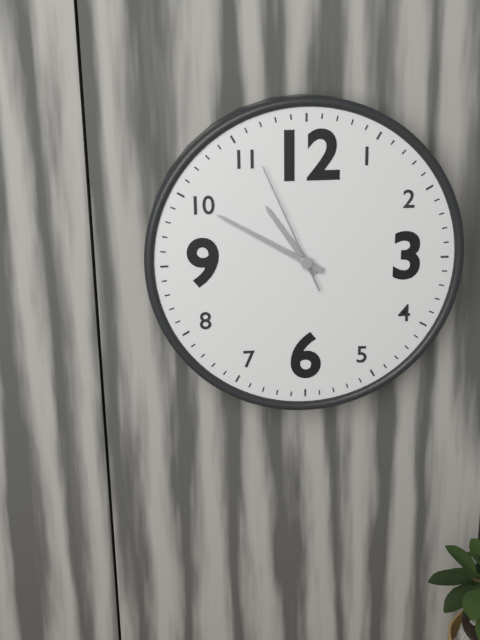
10:50:56
